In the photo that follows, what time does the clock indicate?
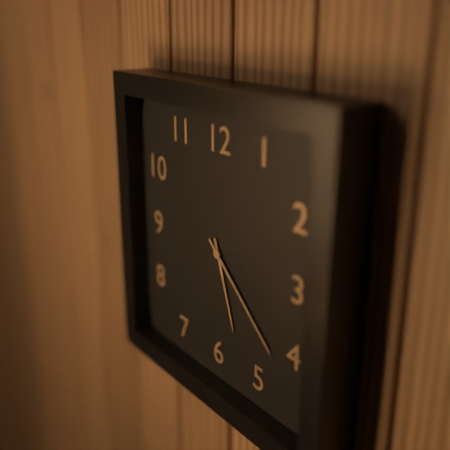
5:22
